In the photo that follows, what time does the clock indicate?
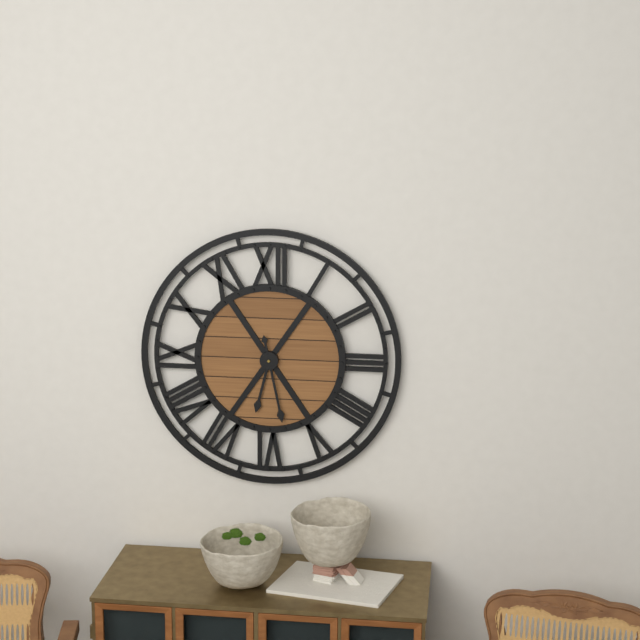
6:28
